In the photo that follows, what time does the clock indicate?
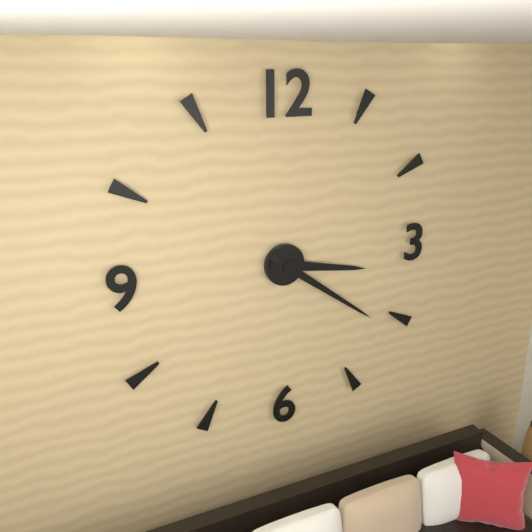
3:21
